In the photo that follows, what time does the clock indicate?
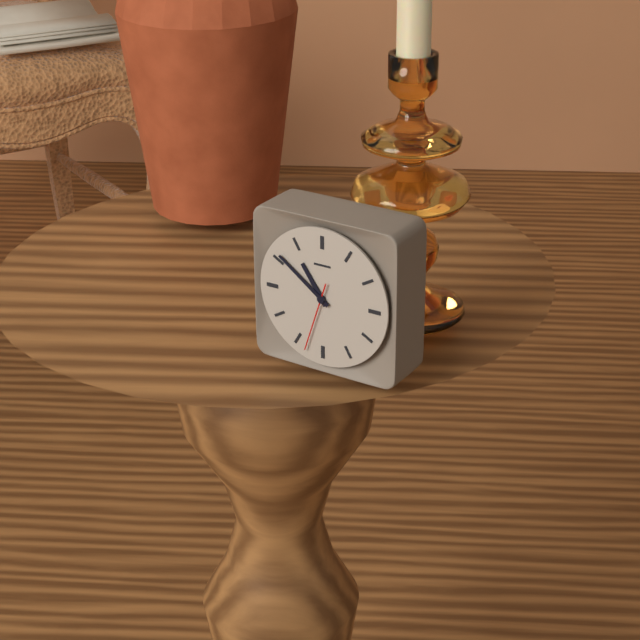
10:51:33
